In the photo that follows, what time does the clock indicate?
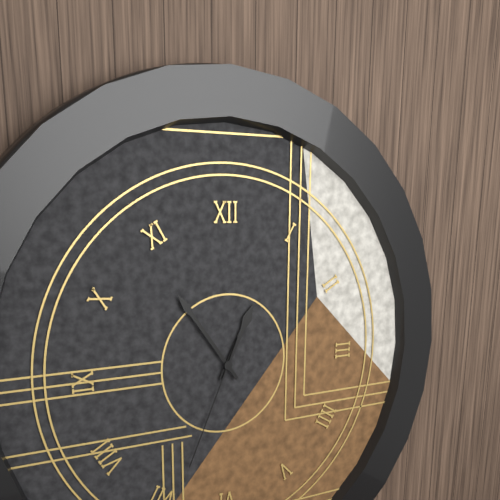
12:54:34
